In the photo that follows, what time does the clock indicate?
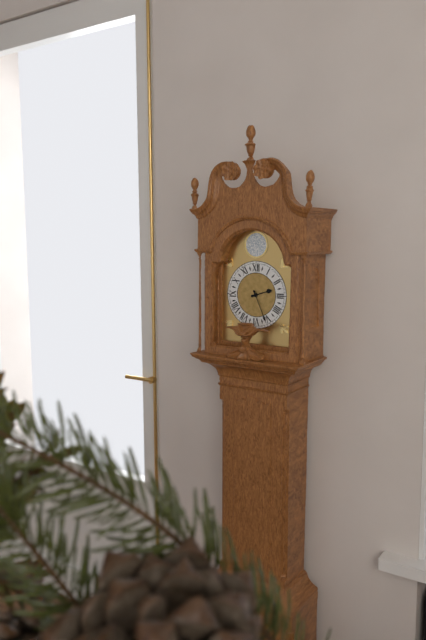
2:26
